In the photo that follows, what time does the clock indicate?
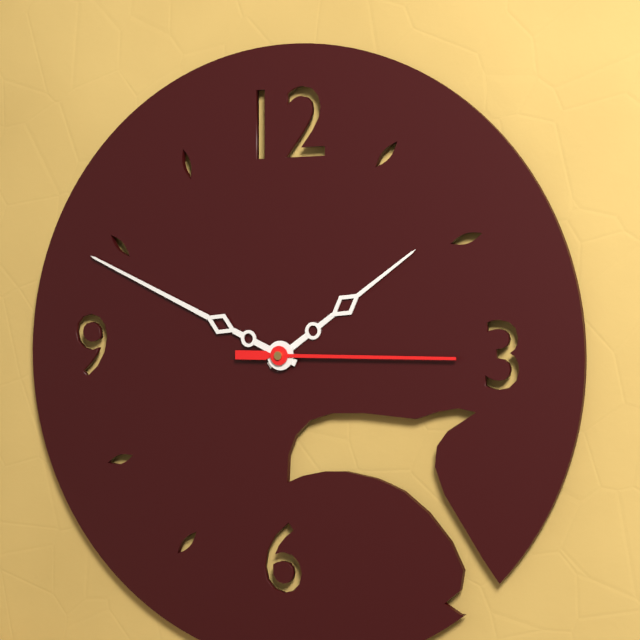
1:49:15
